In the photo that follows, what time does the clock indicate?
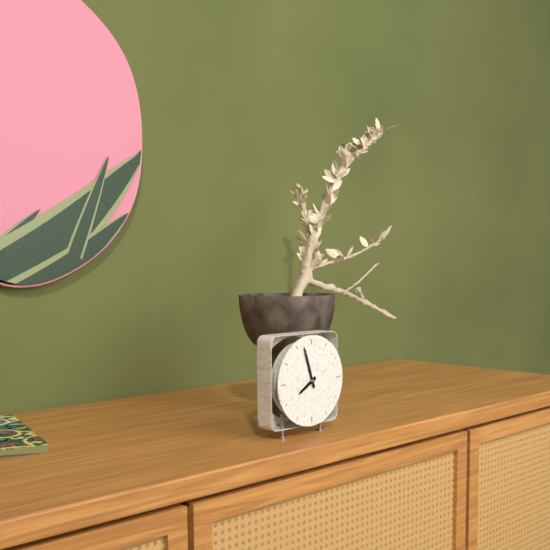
7:57
